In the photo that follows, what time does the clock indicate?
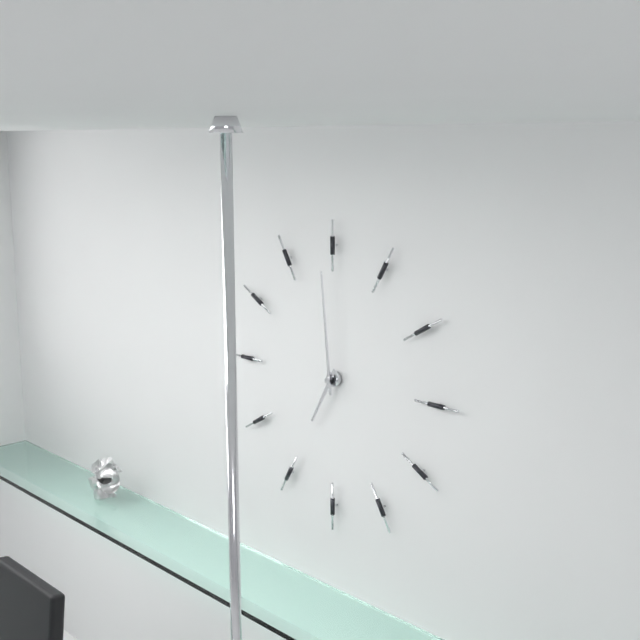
6:59
